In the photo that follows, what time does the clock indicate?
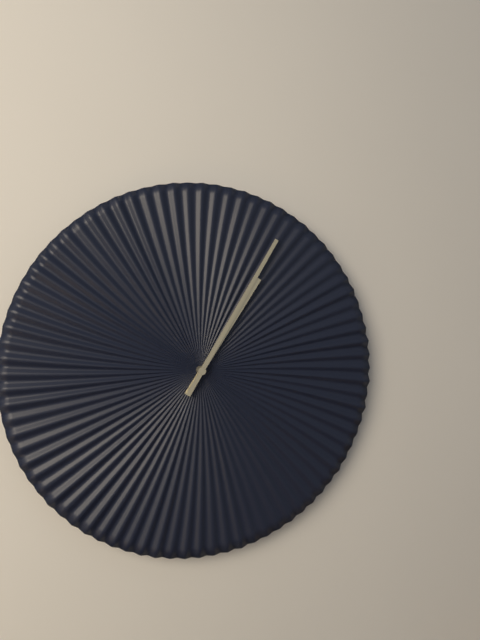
1:05
